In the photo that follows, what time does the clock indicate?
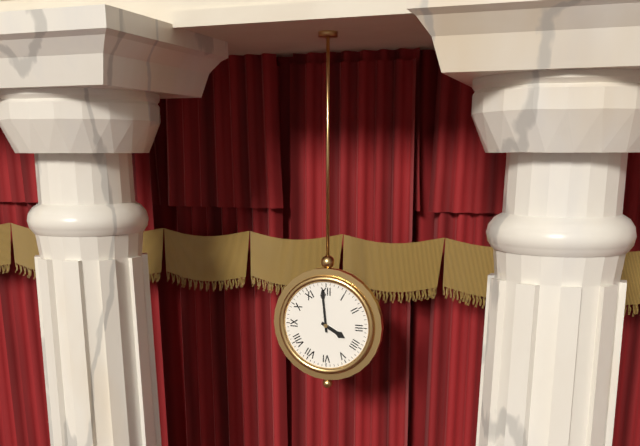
3:59
